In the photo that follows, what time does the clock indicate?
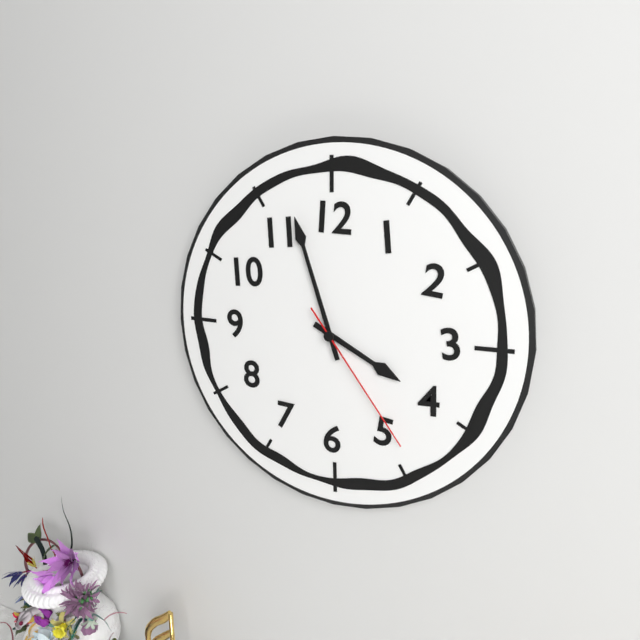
3:57:24
